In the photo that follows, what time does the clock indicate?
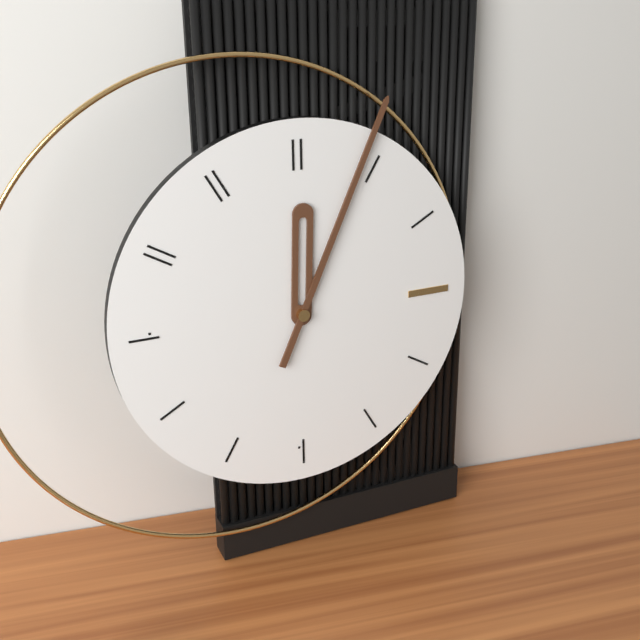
12:04
